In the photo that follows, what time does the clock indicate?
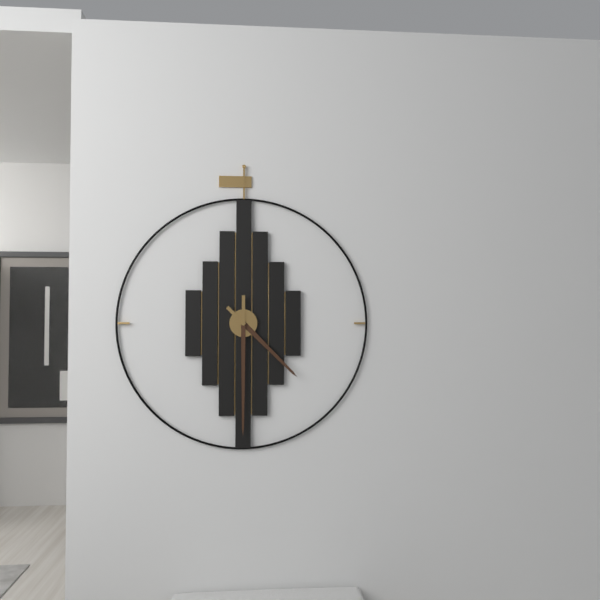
4:30
